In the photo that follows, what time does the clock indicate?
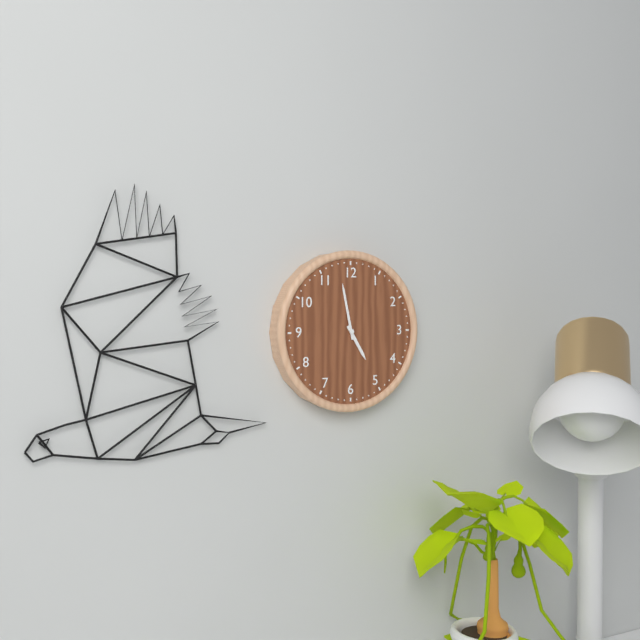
4:58
